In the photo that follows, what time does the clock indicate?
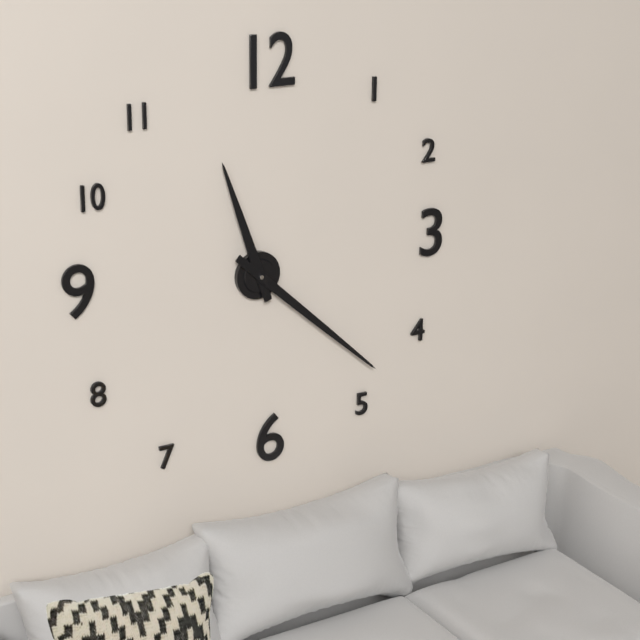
11:22
